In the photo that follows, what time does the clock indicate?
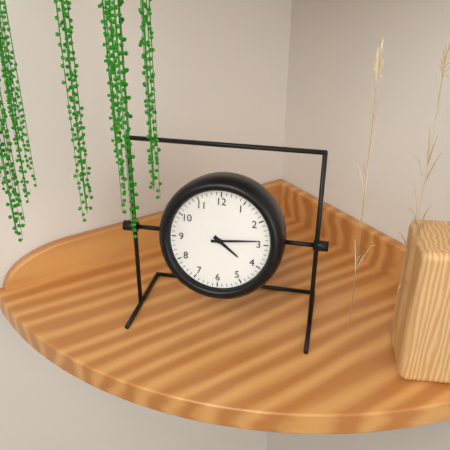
4:14
